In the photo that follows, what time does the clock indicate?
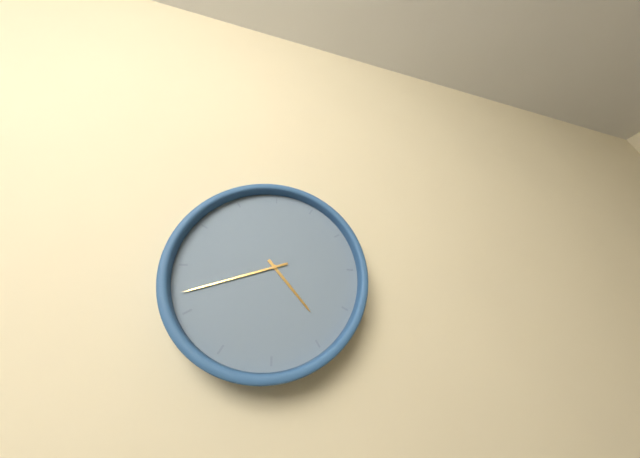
4:42
